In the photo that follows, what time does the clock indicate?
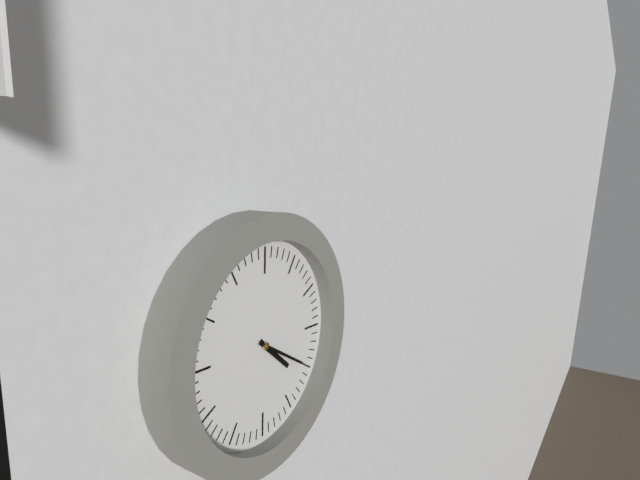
4:20
